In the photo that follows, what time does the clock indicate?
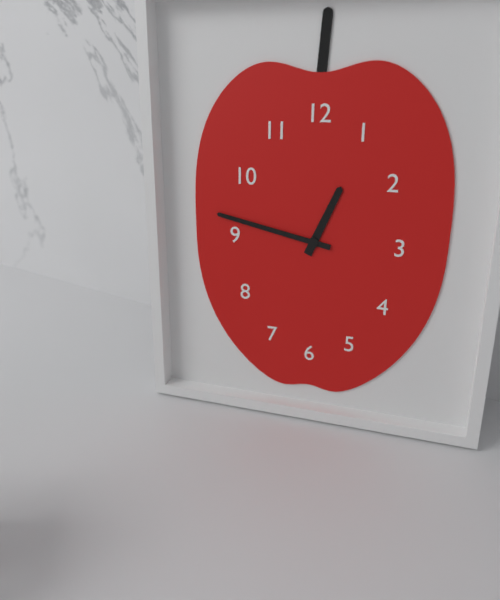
12:47
